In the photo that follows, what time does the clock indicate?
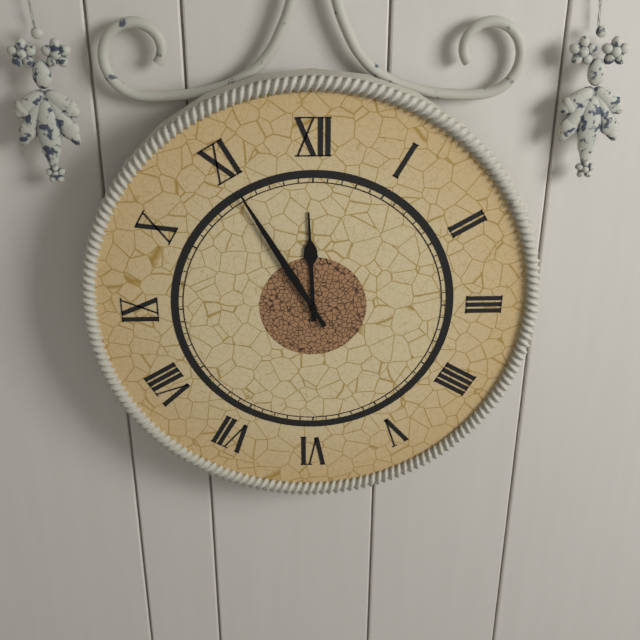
11:55
